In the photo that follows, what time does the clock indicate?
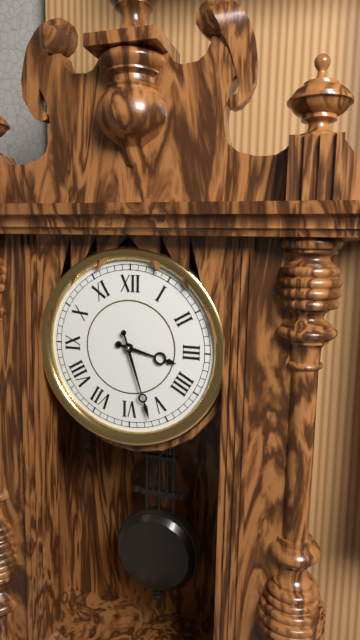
3:27
